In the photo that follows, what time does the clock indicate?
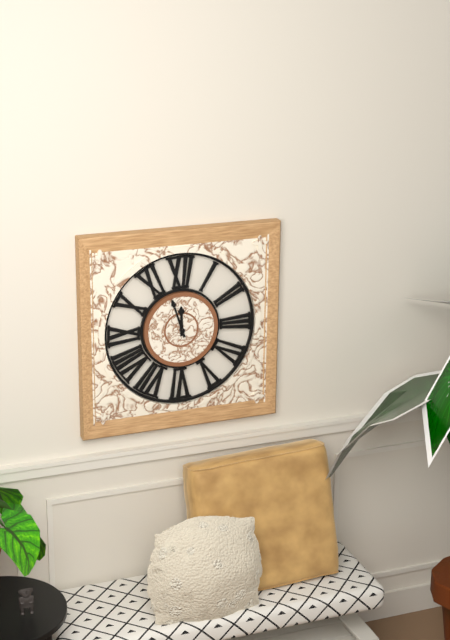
11:57
